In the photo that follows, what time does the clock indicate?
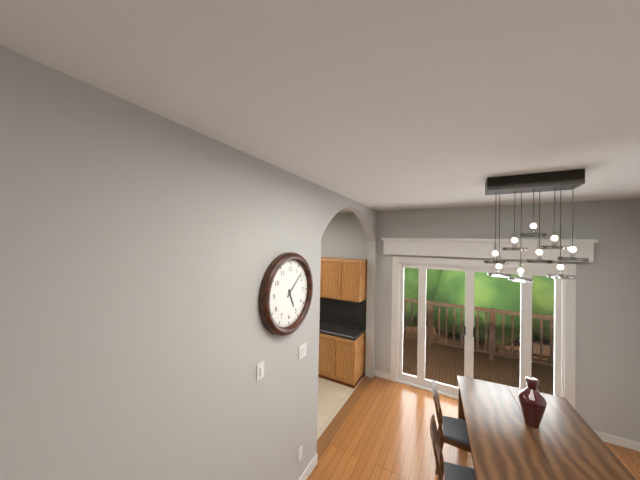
5:08
